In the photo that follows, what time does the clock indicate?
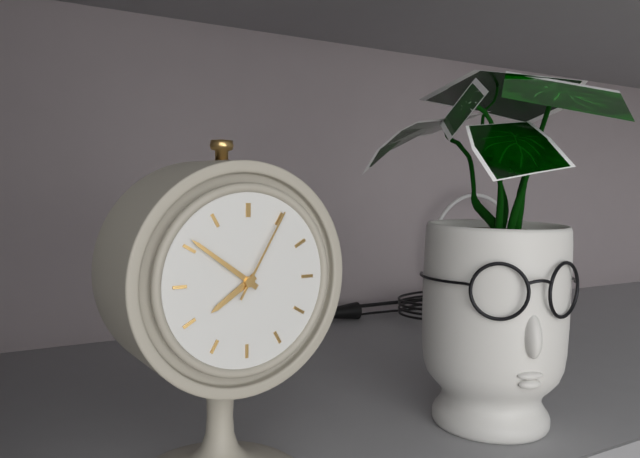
7:51:05
